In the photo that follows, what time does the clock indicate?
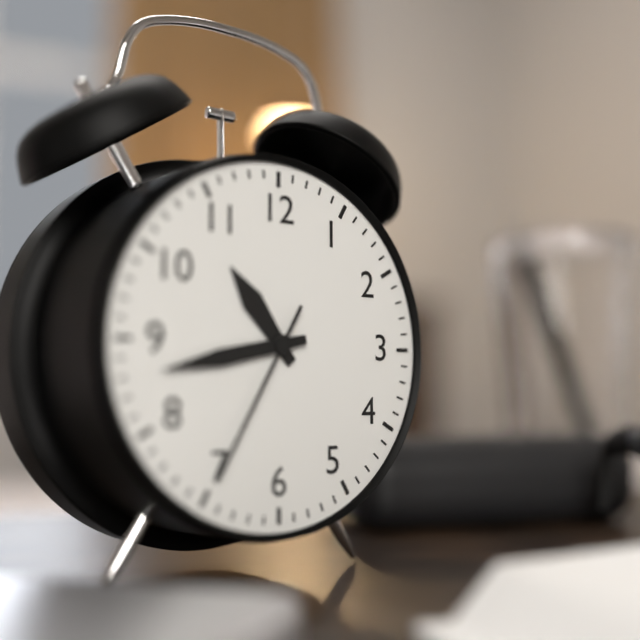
10:43:35
